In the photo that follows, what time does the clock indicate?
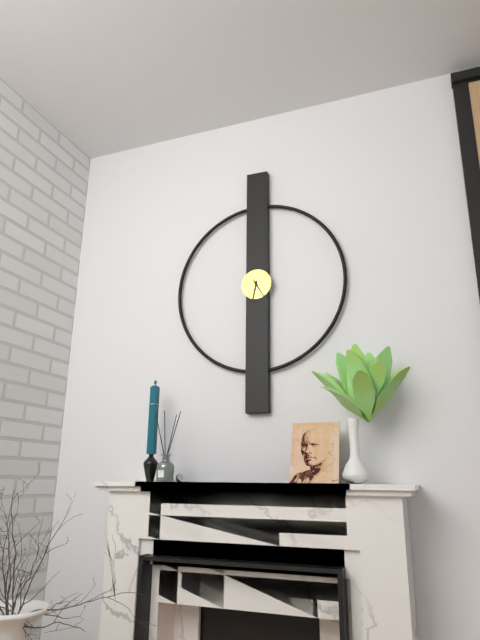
6:25
